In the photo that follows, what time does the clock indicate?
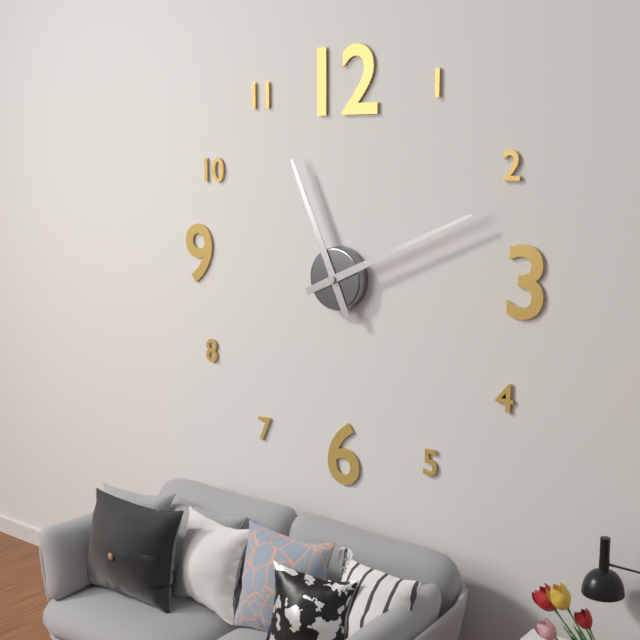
11:11
